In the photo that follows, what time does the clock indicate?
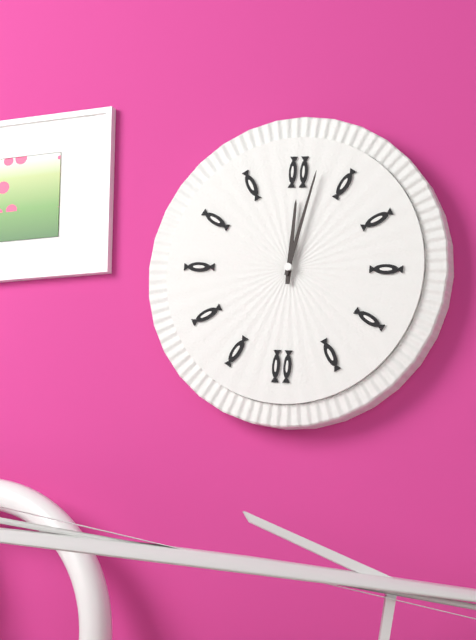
12:02
